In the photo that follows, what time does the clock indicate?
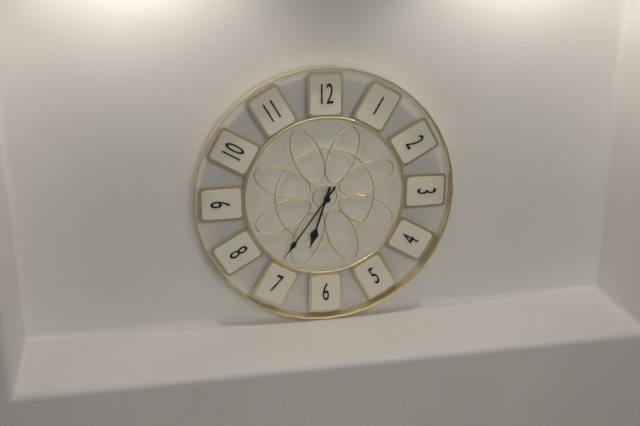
6:36
